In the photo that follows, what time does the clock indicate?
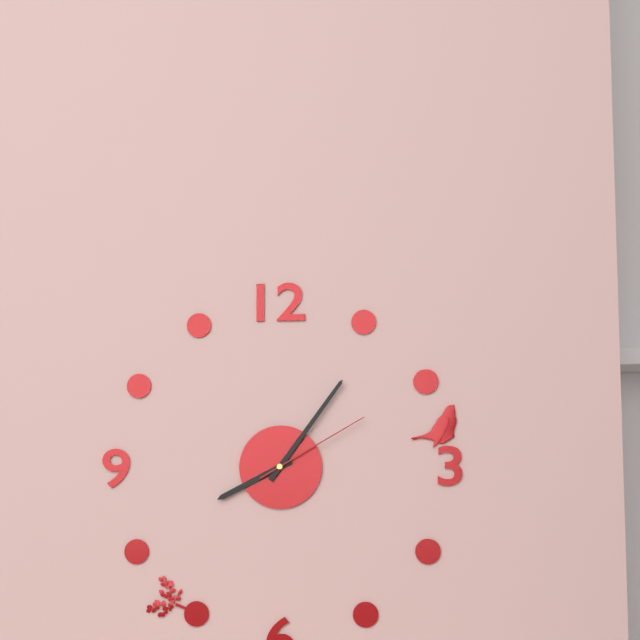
8:06:10
